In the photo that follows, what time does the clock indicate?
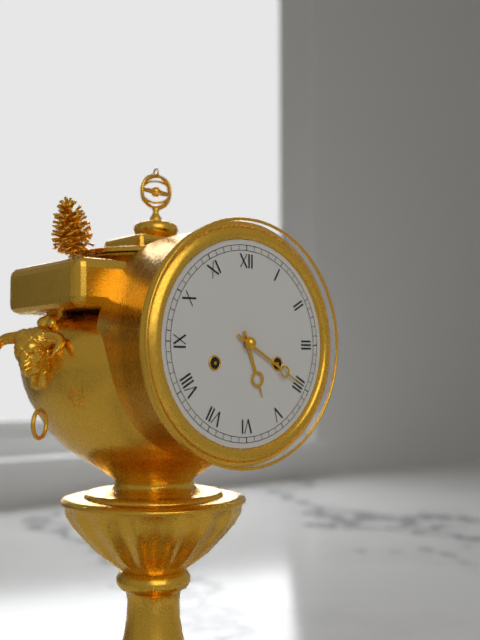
5:20
